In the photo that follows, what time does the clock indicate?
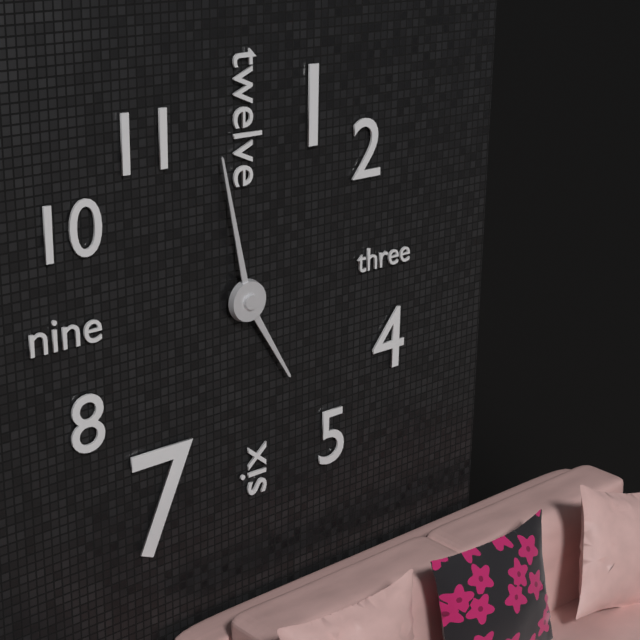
4:58
